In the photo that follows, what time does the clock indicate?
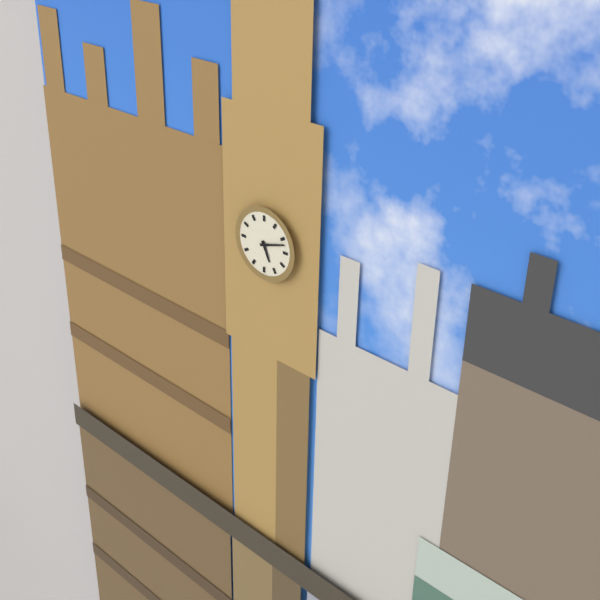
5:12
